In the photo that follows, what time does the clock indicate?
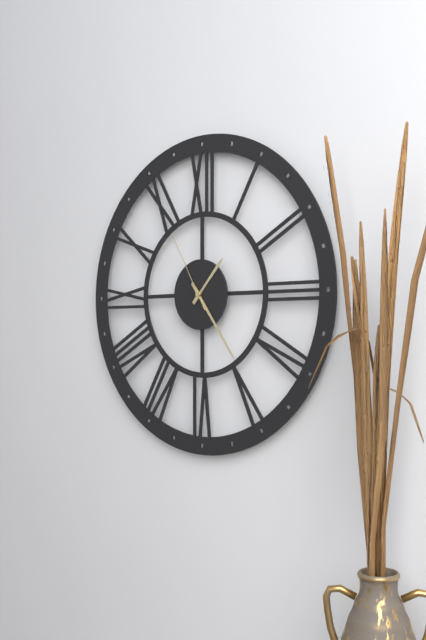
1:24:55
